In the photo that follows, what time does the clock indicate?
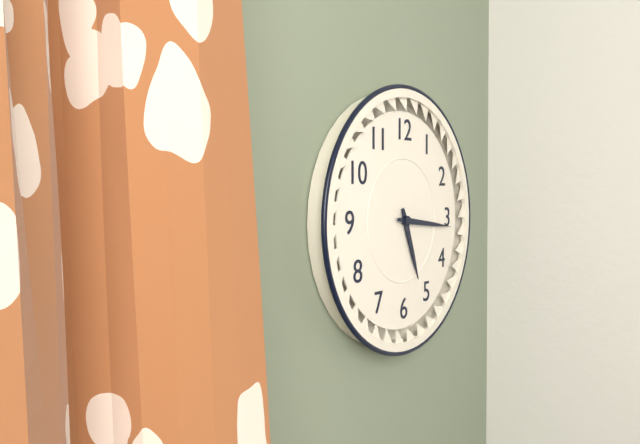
5:16
